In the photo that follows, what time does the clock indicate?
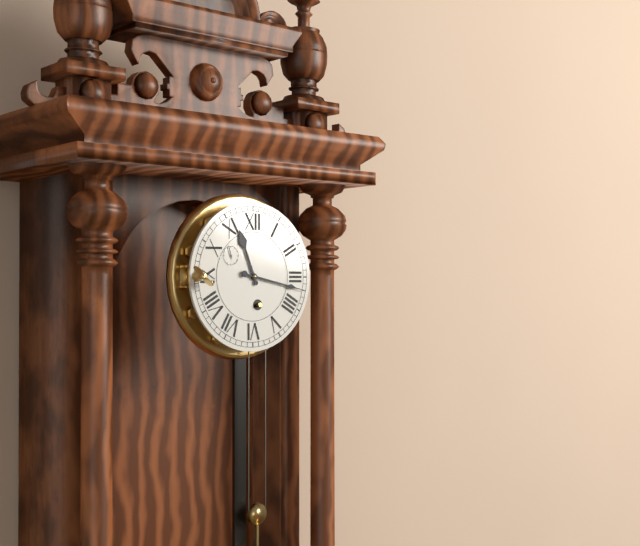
11:17
